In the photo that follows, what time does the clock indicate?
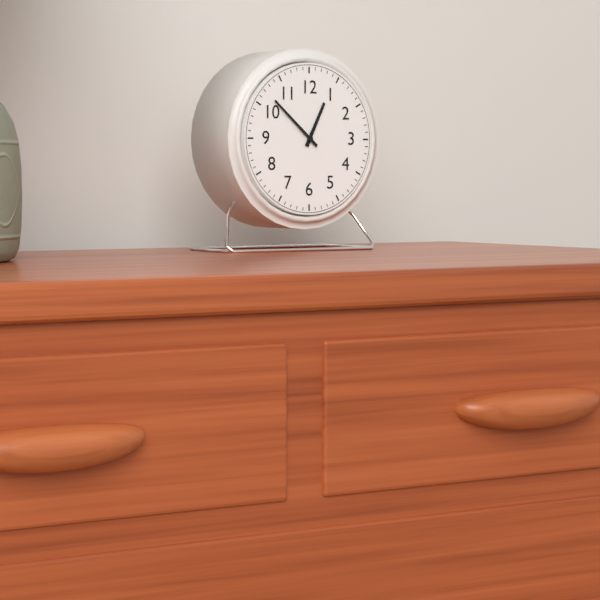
12:52
